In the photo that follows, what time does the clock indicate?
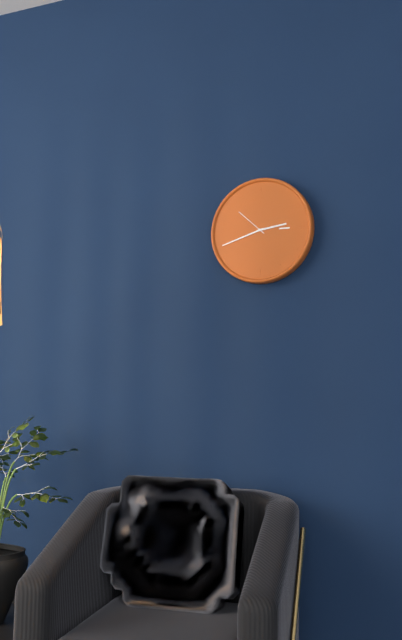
2:42
